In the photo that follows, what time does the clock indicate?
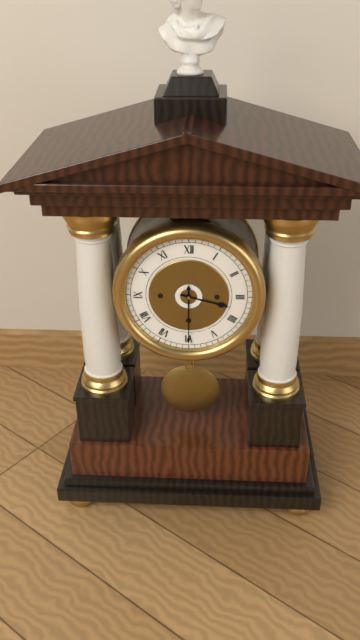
3:30
